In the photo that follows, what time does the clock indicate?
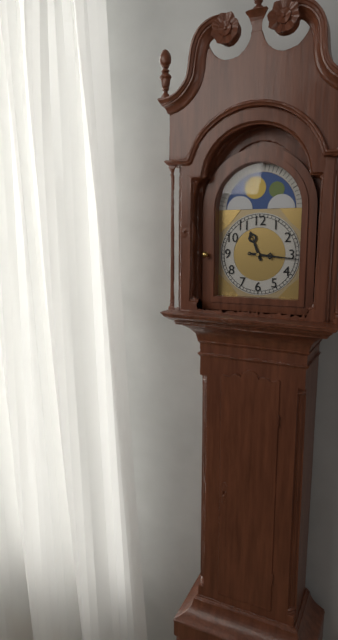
11:16
